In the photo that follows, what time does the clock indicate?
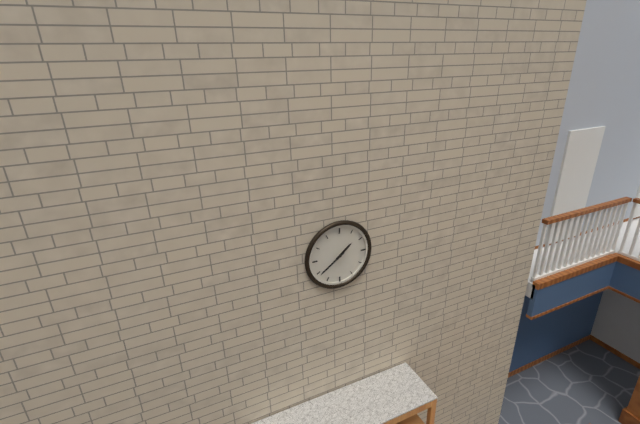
1:39
